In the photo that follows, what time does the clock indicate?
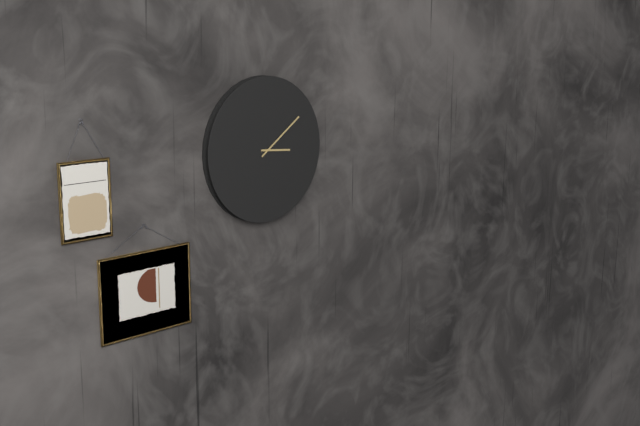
3:09
